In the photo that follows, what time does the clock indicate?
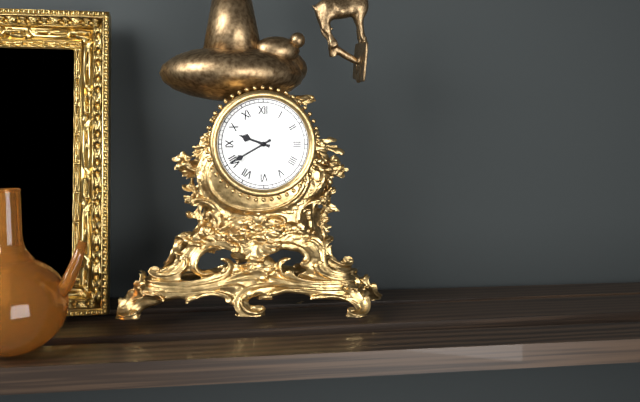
9:40
